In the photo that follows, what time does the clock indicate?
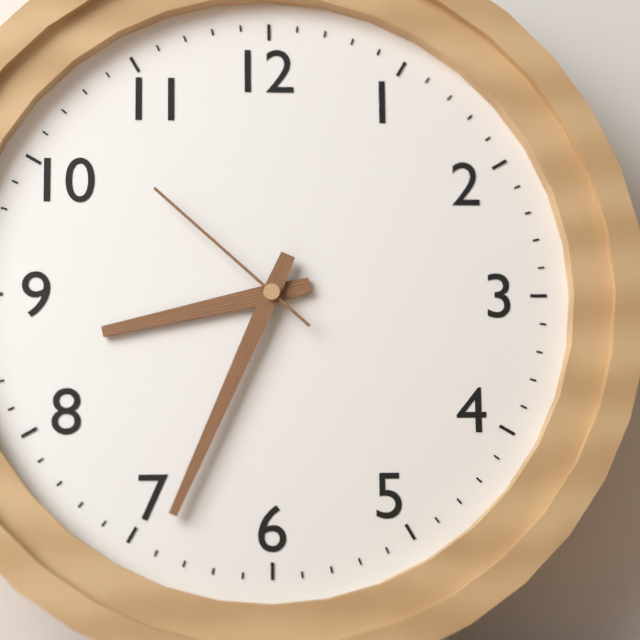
8:34:52
